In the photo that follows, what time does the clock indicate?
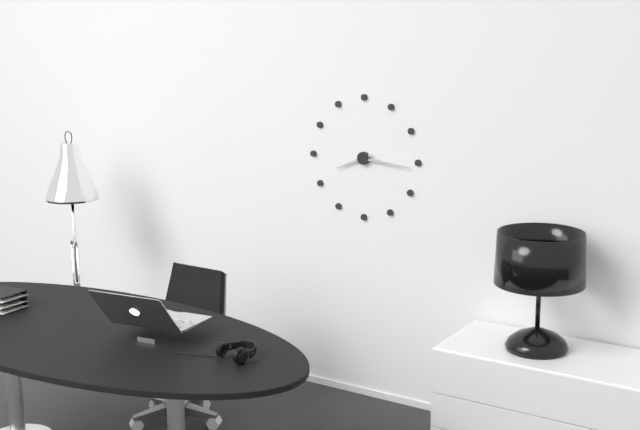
8:16
